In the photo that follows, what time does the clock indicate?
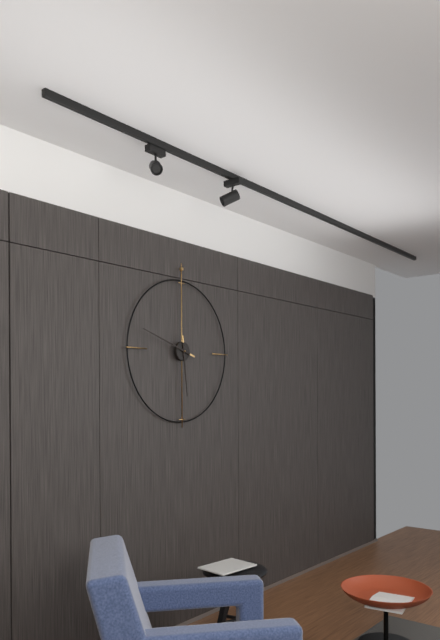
5:48
